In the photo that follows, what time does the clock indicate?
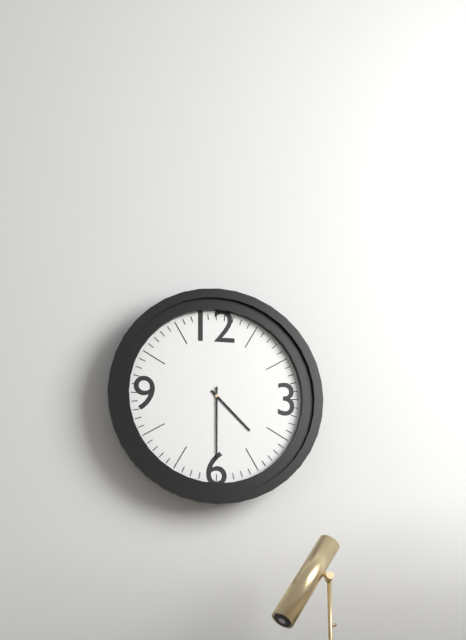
4:30
